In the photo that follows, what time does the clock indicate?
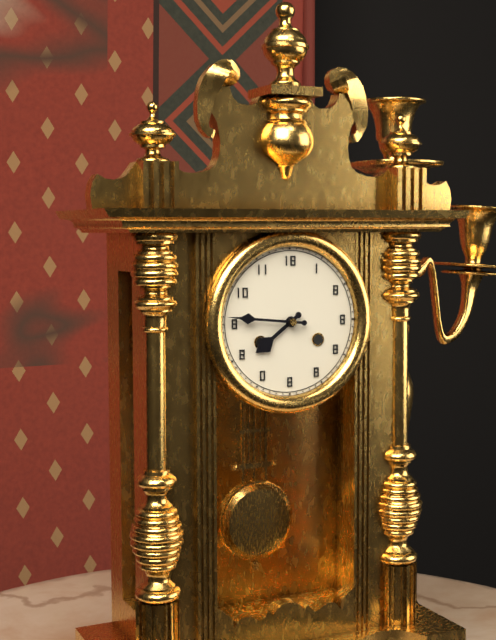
7:46
